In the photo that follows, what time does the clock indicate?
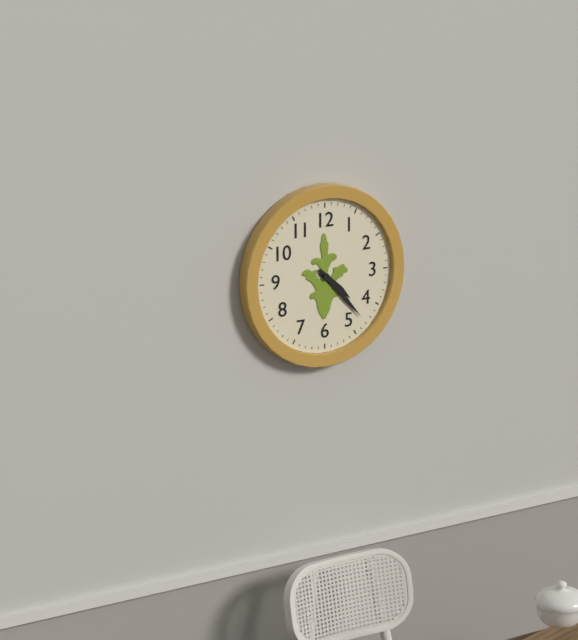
4:23
